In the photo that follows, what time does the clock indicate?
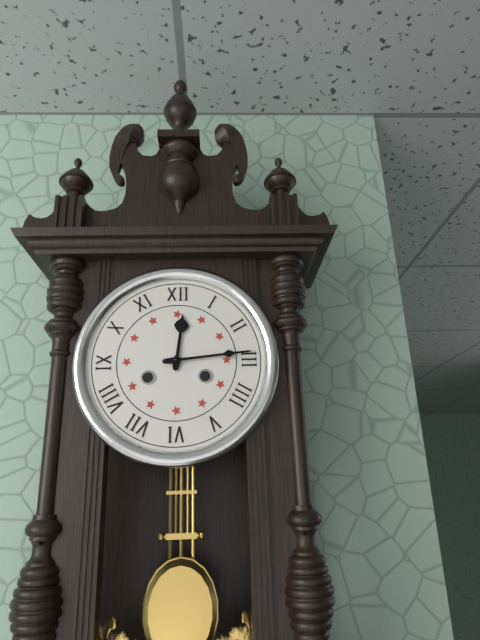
12:14
